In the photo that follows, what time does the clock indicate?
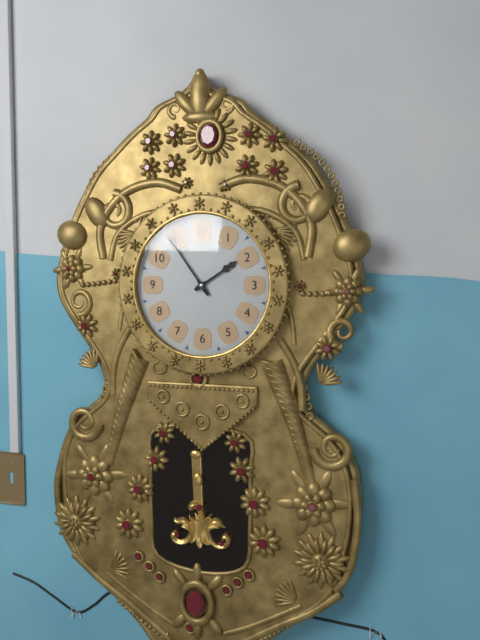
1:54
